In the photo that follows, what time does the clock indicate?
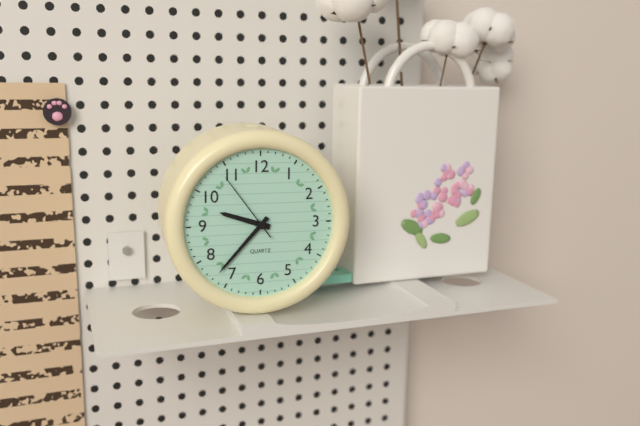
9:37:54
